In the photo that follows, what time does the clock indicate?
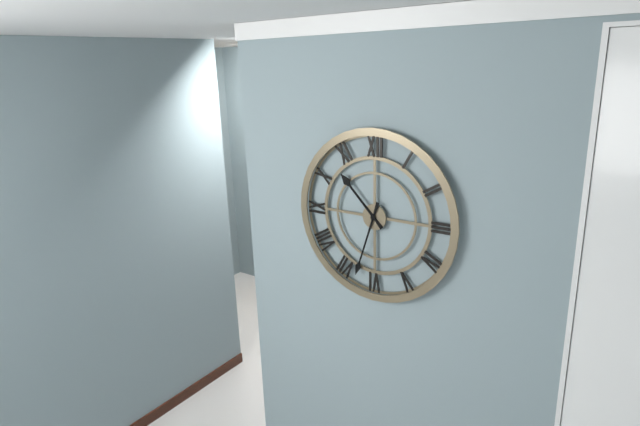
10:33
